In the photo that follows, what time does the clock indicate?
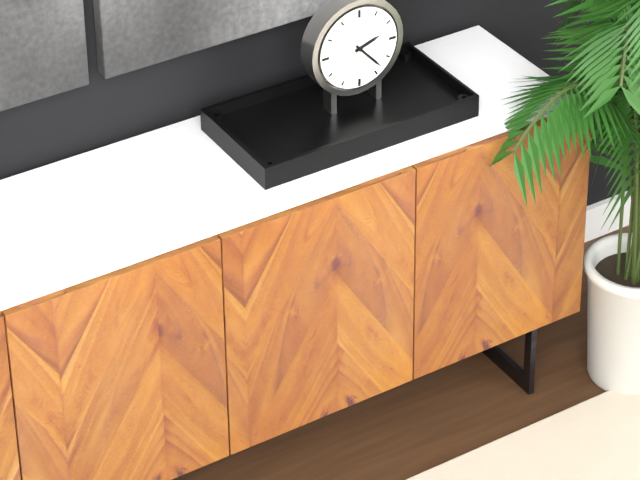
2:23
